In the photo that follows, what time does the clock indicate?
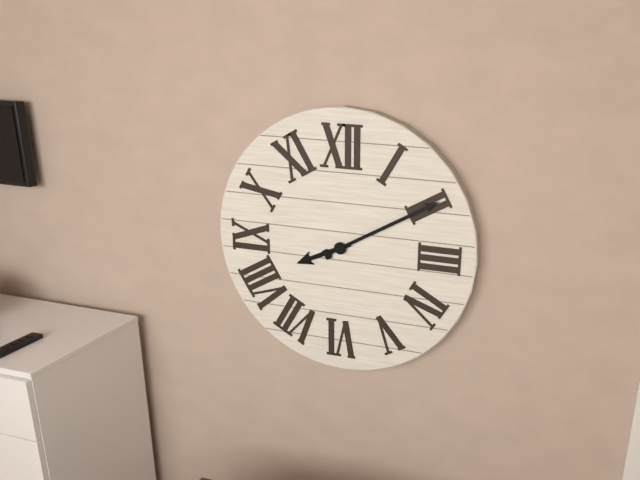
8:10
